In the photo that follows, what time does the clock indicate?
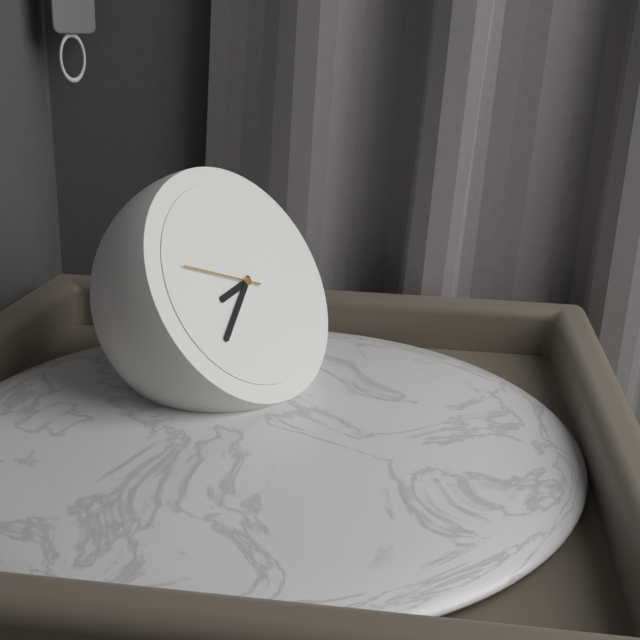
8:39:49
